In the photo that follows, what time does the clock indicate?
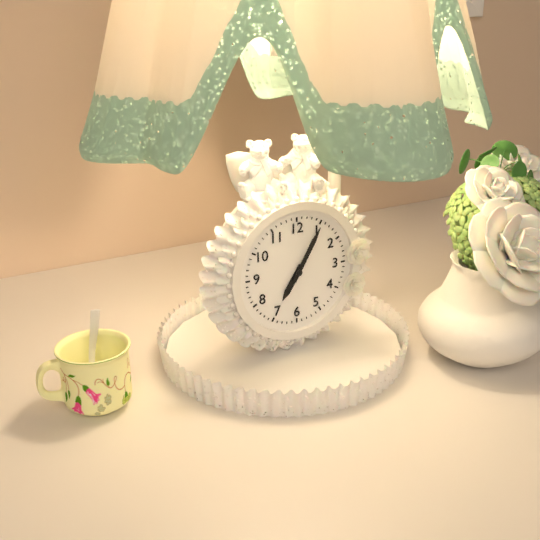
7:05
